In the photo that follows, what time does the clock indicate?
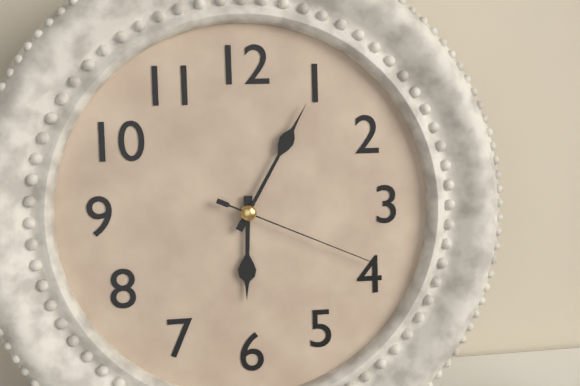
6:05:19
